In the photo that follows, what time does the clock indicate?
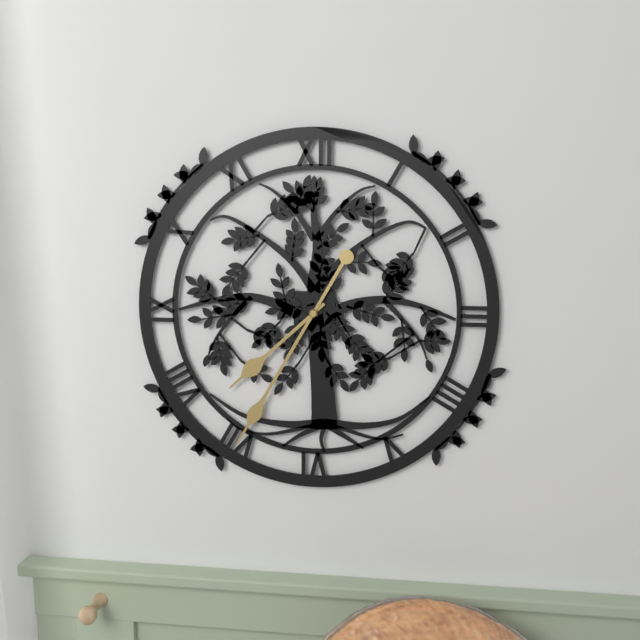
7:35
